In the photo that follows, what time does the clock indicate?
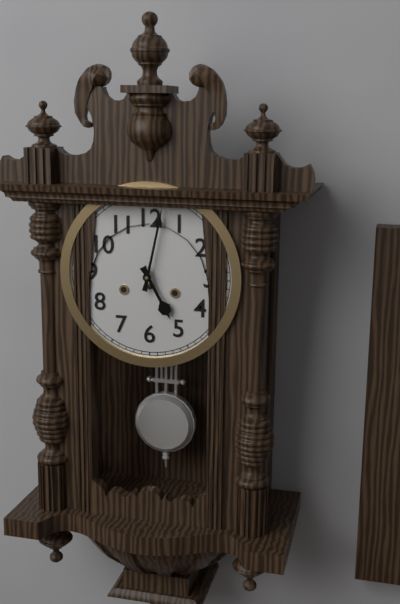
5:02
